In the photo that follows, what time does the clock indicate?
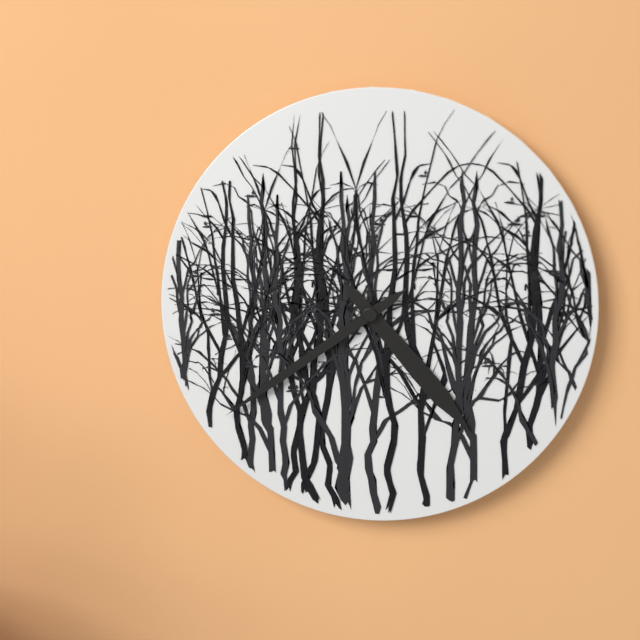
4:39
